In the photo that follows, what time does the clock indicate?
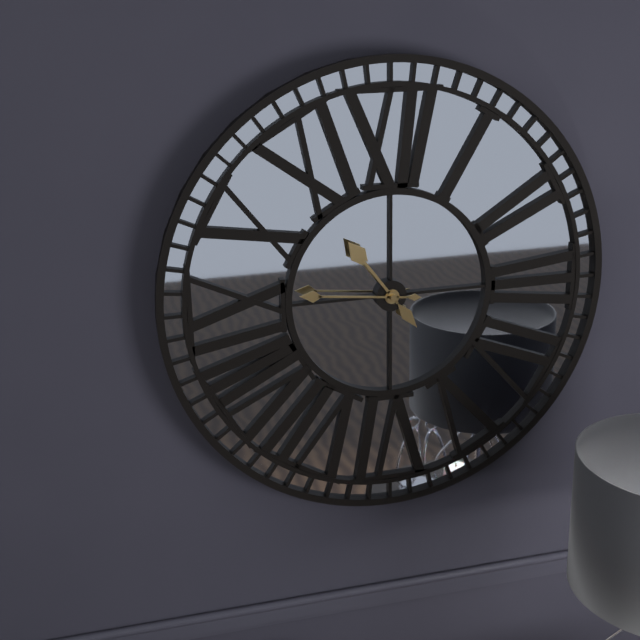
10:46
